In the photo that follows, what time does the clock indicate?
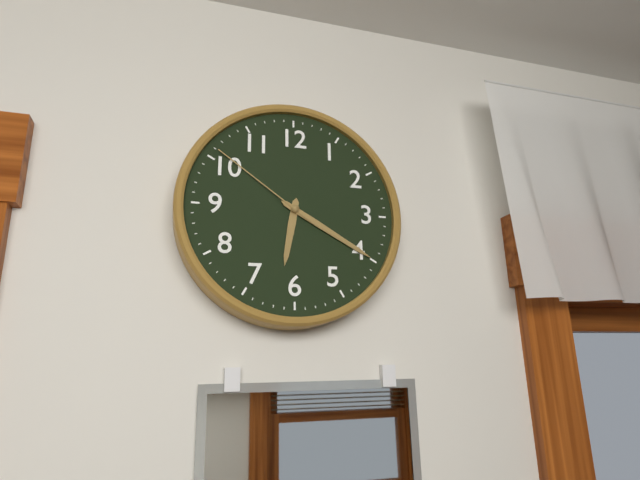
6:20:51
